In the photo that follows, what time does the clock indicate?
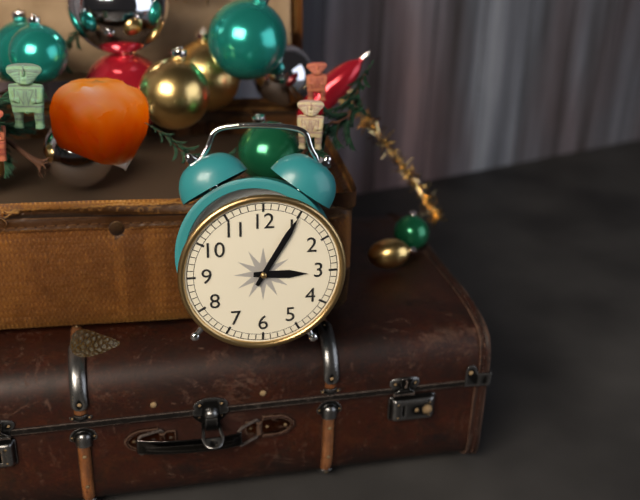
3:05
